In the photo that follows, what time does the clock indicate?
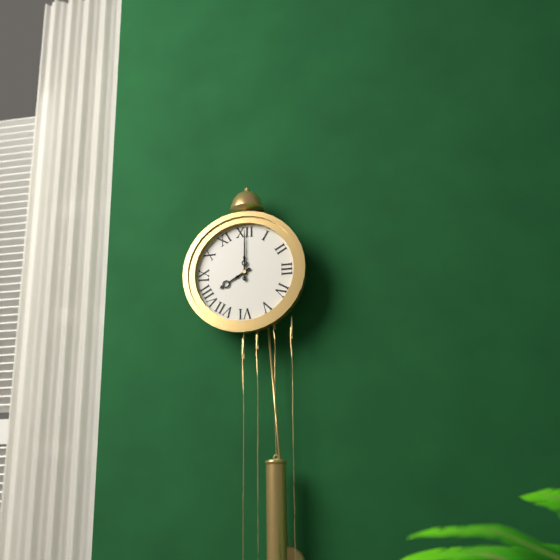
8:00
